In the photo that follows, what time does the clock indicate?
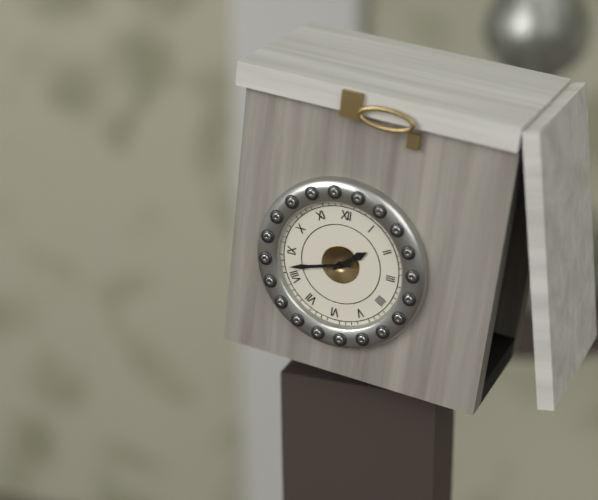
1:42
